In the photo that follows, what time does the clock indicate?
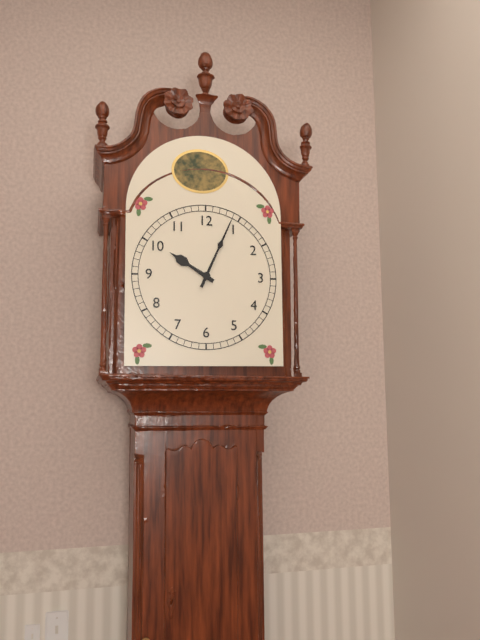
10:04
